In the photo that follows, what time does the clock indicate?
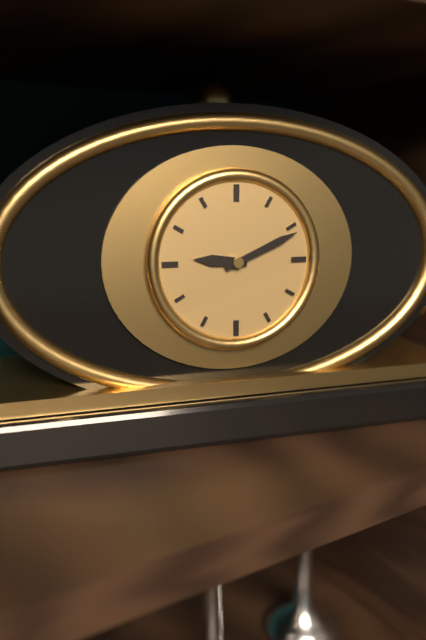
9:11
